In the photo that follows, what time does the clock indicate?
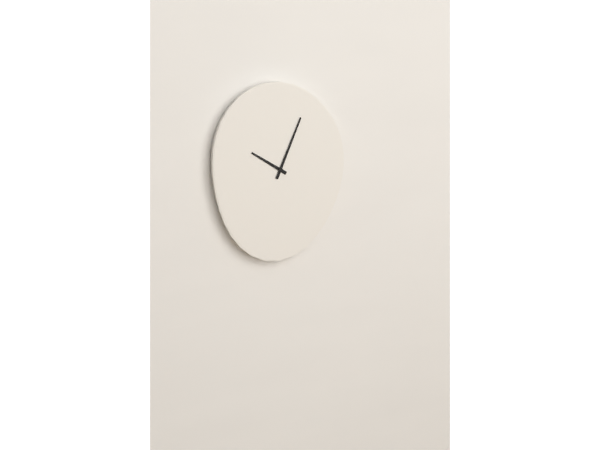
10:04
